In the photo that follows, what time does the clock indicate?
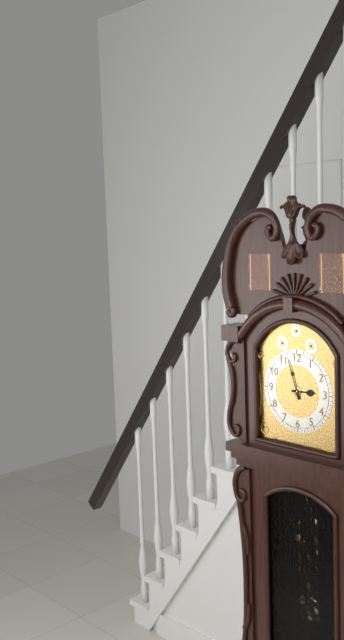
2:57
